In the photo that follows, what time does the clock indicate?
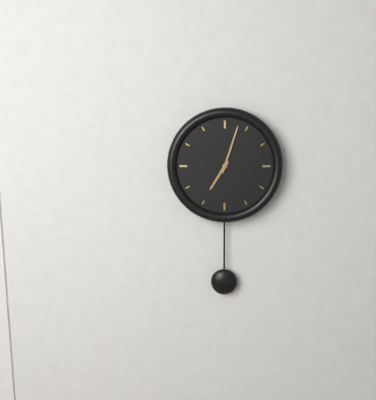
7:03
